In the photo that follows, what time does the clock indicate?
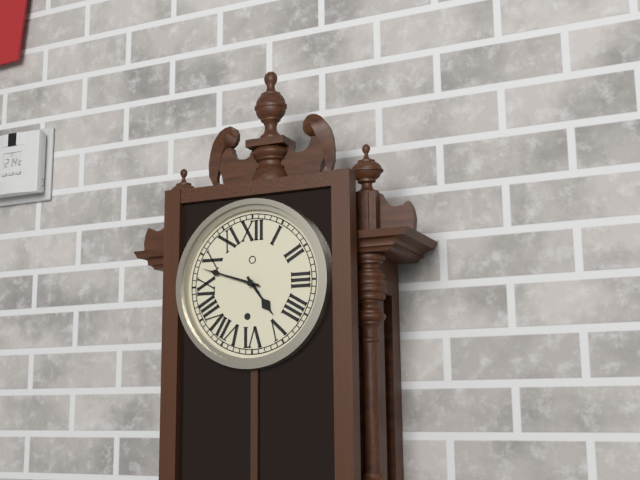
4:48
